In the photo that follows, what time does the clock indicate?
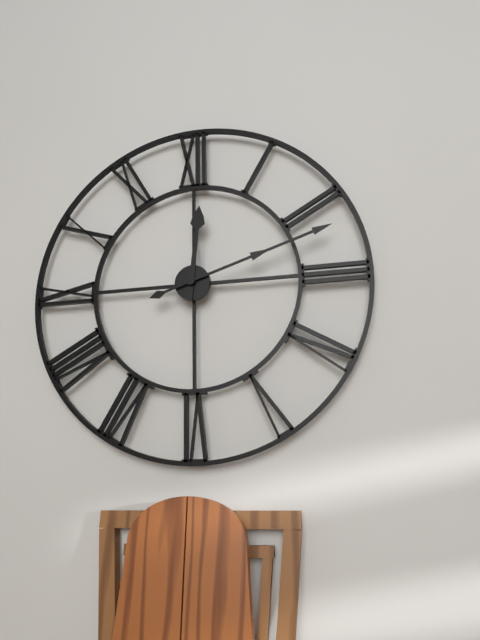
12:12
